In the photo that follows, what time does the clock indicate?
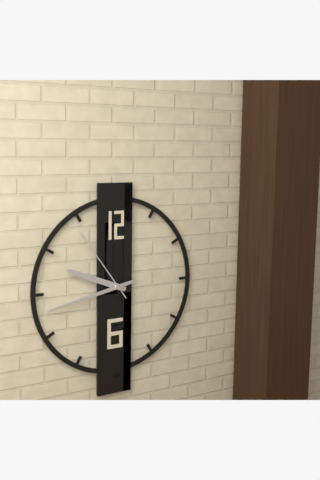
9:43:54
